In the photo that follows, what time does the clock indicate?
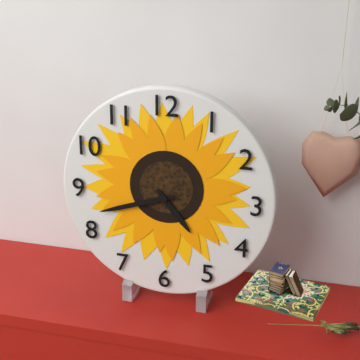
4:42
